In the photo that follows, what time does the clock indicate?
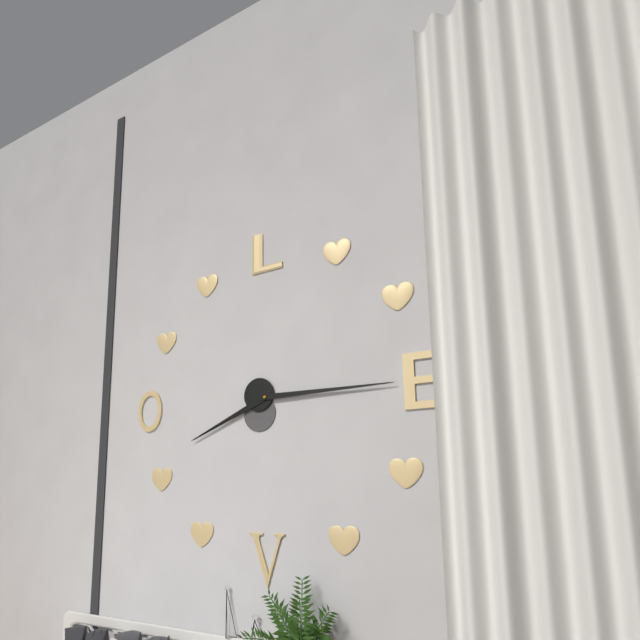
8:15
